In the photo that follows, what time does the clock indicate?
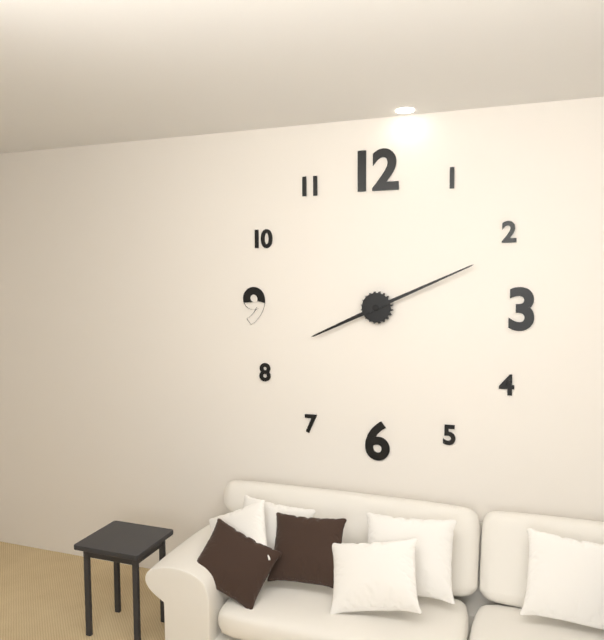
8:11
